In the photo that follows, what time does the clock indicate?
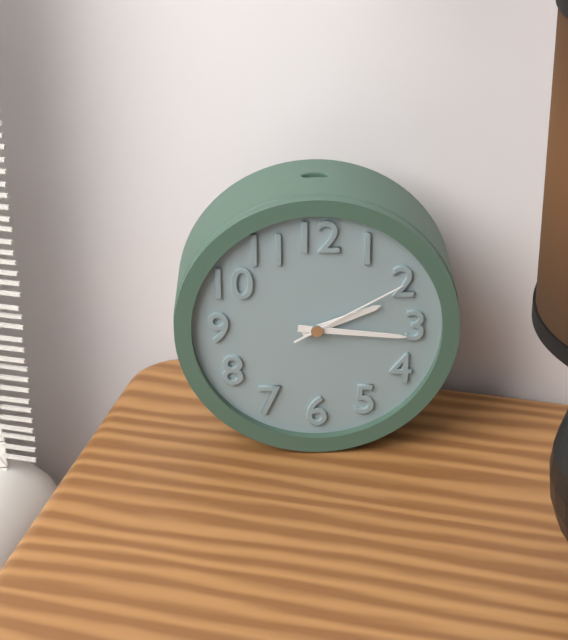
2:16:10
